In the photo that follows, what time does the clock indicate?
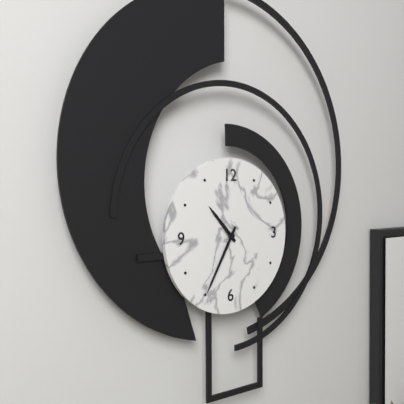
10:35
